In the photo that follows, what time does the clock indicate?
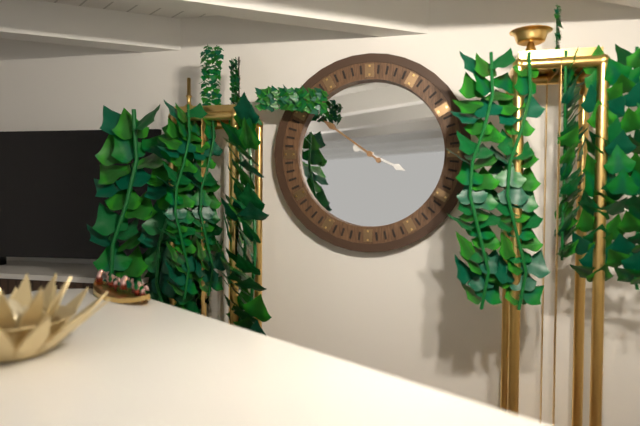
3:51
